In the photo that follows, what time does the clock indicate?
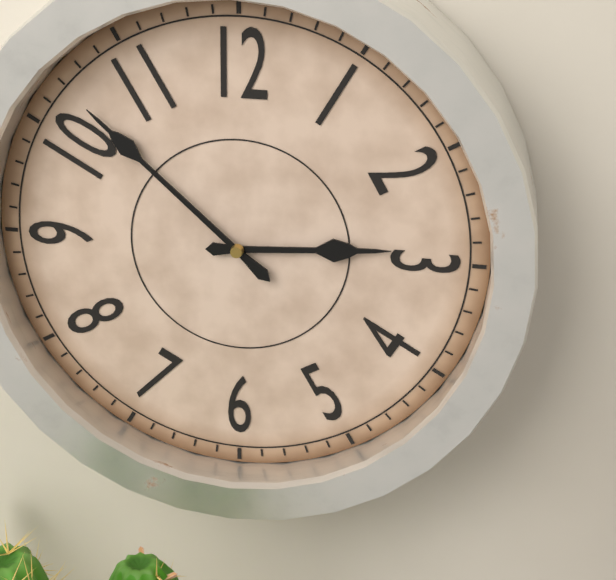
2:52
